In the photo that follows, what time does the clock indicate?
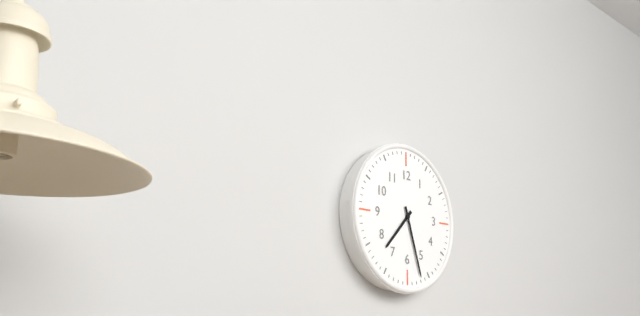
7:27
